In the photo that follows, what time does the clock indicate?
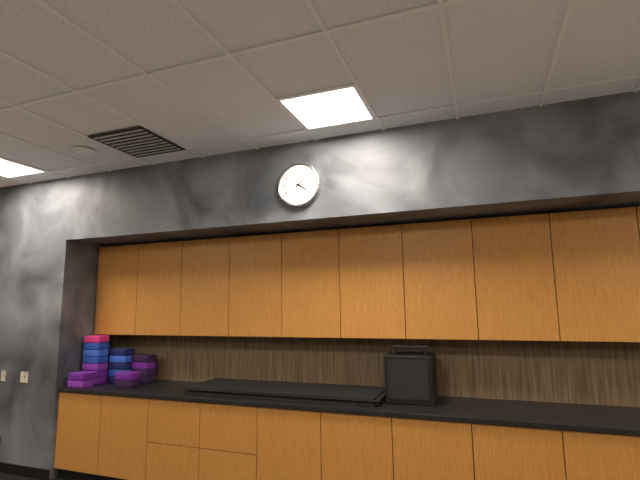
4:08
